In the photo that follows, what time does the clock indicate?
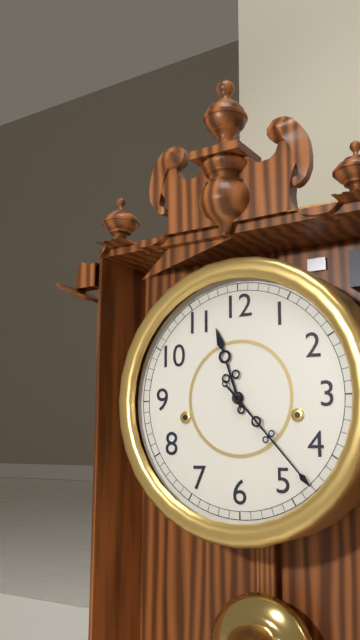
11:23
